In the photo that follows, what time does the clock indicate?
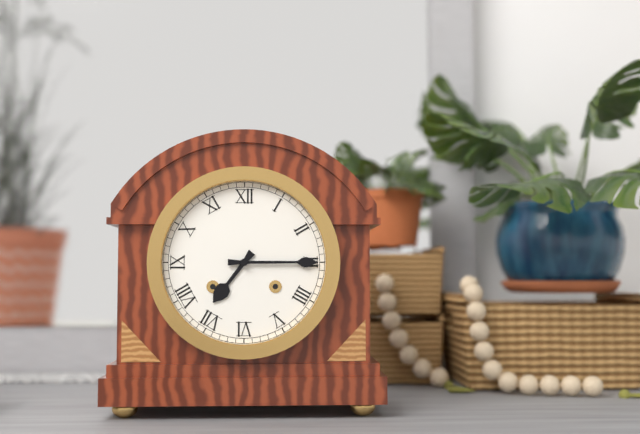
7:15
